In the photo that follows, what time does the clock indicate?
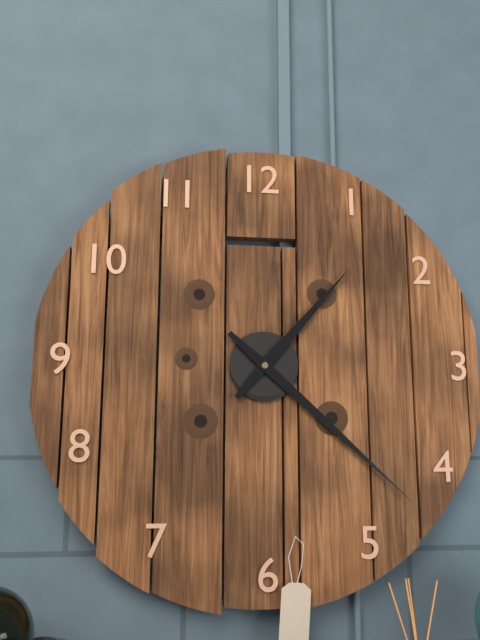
1:22
